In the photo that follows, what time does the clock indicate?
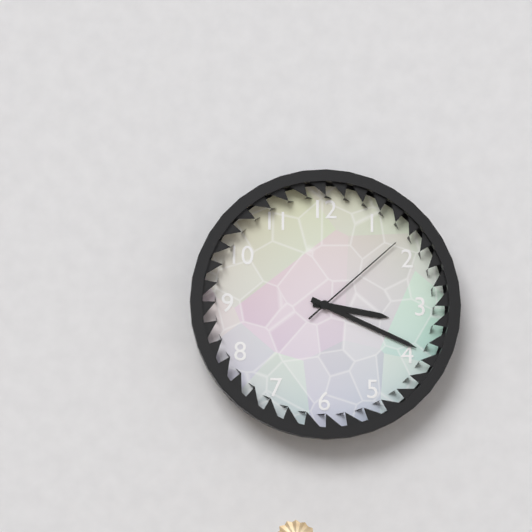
3:19:08
